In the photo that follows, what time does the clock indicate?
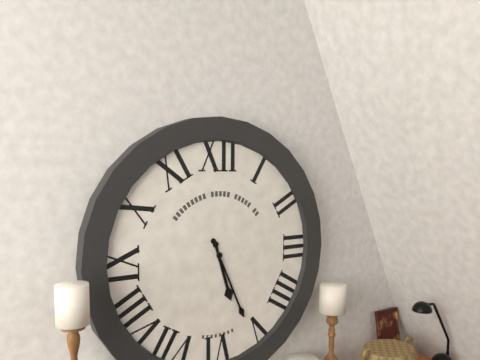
5:26
